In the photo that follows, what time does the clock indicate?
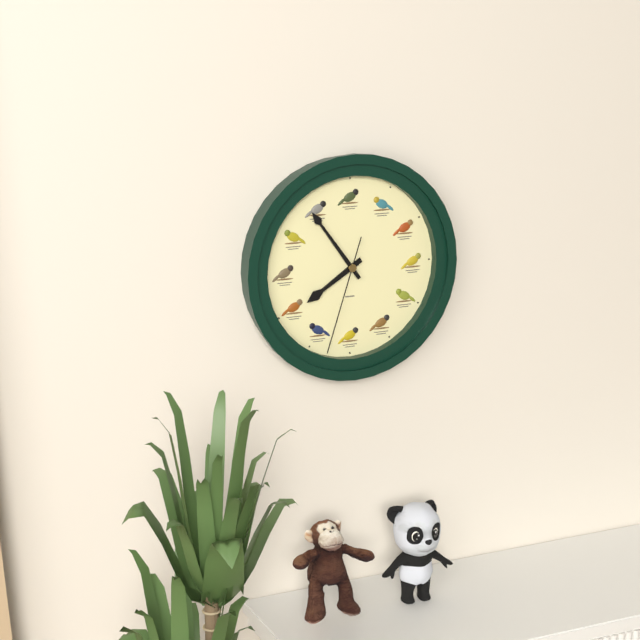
7:54:33
